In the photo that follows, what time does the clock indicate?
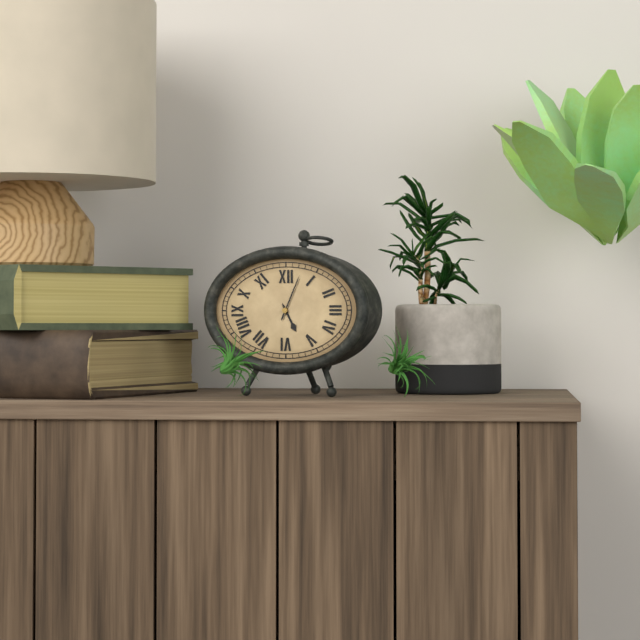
5:04
